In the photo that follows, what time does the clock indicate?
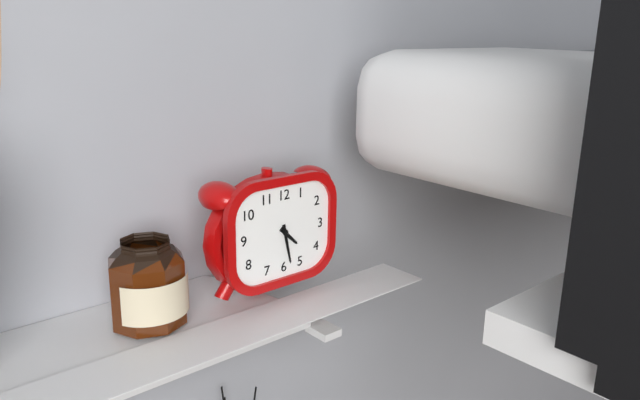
4:28
